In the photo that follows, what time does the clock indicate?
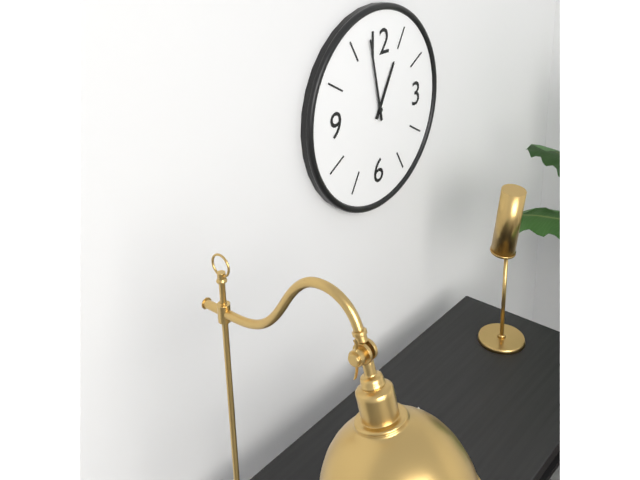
12:58
